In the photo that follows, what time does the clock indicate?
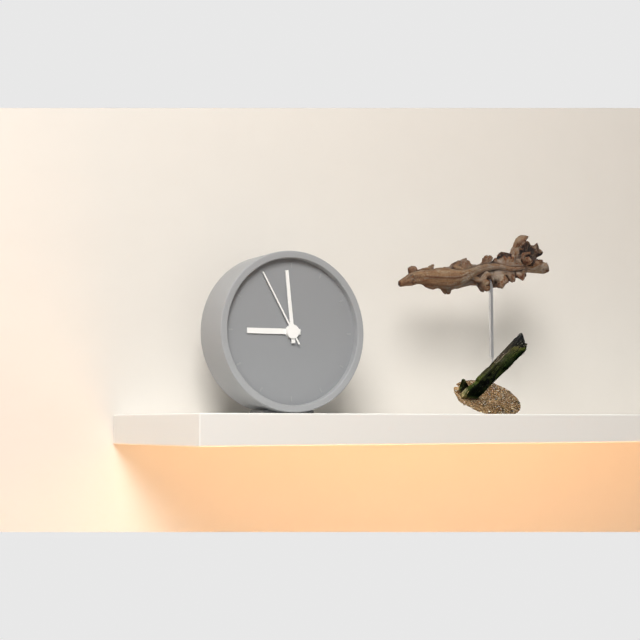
8:59:55
